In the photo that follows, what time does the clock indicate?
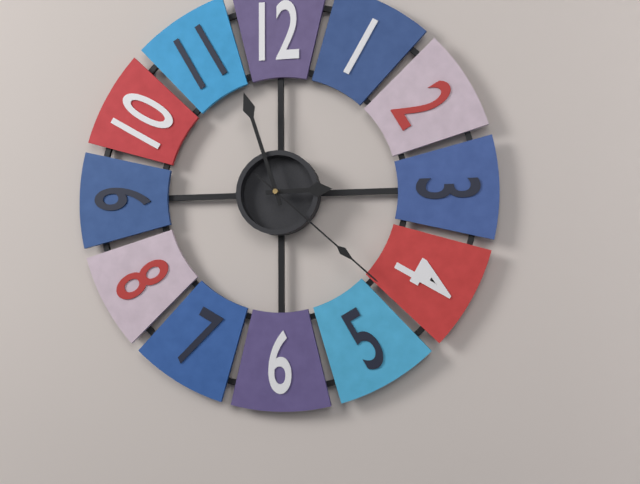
2:57:22
